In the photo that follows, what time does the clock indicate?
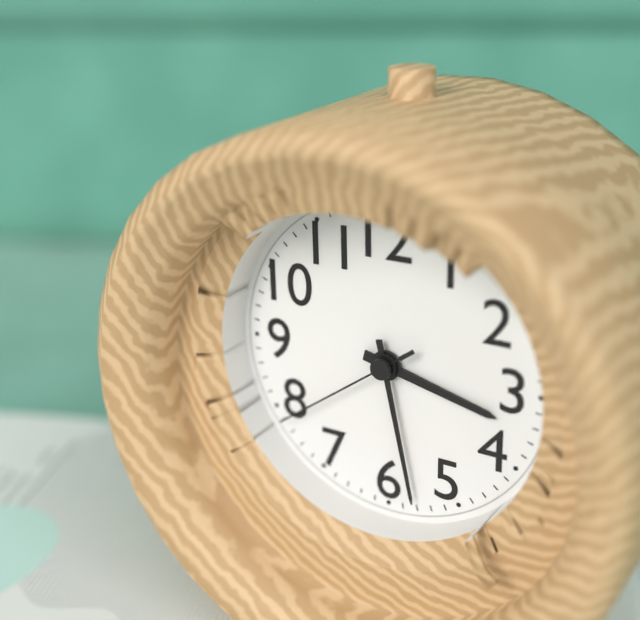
3:28:39
